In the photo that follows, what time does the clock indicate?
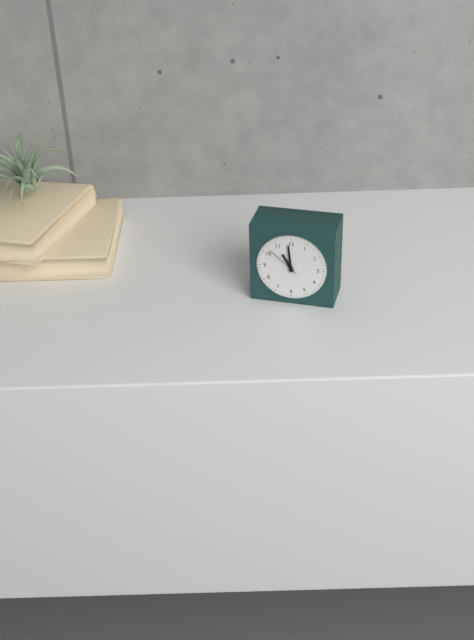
10:59
